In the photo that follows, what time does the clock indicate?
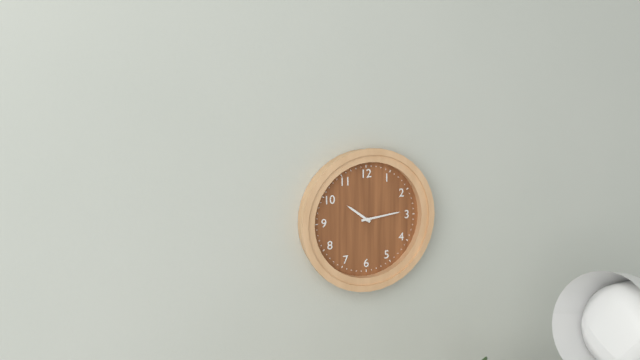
10:14
